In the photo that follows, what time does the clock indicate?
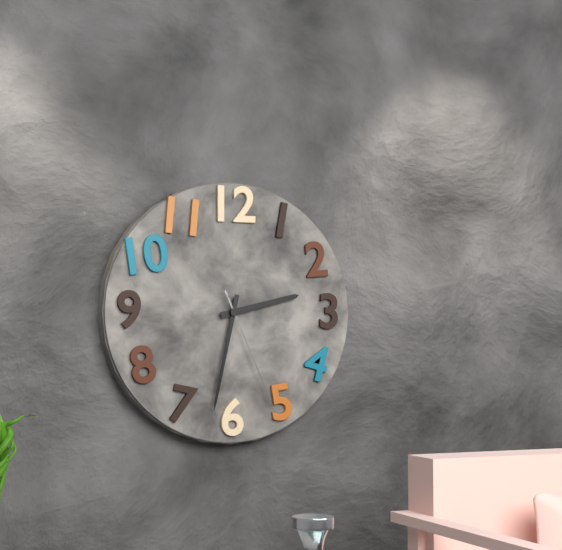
2:32:26
